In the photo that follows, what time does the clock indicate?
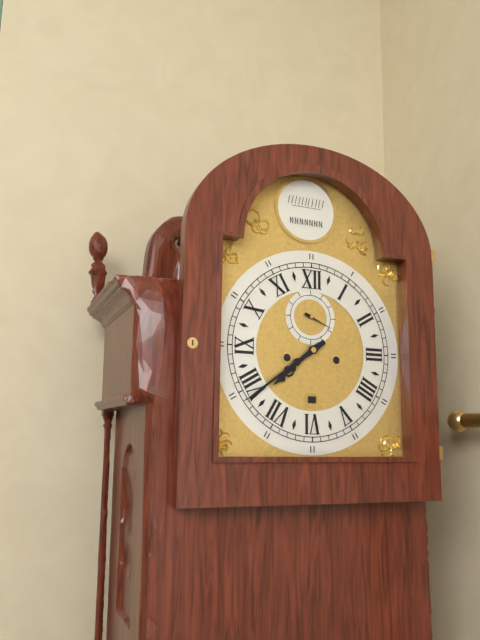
7:39
